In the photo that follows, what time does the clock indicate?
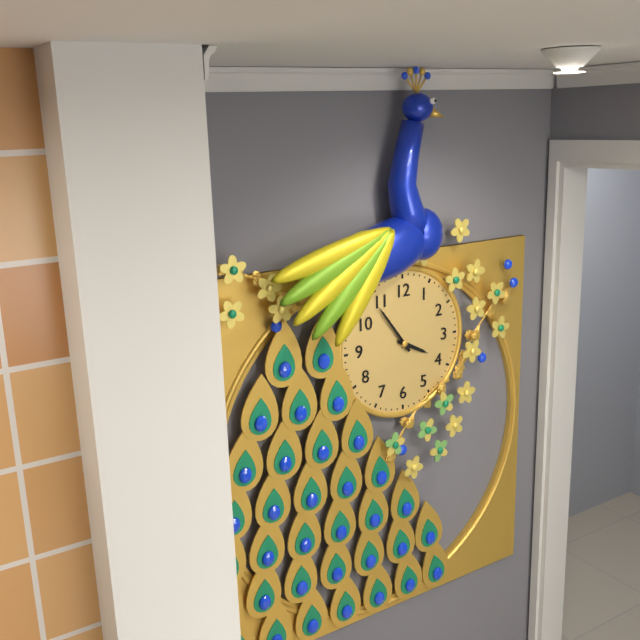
3:54
